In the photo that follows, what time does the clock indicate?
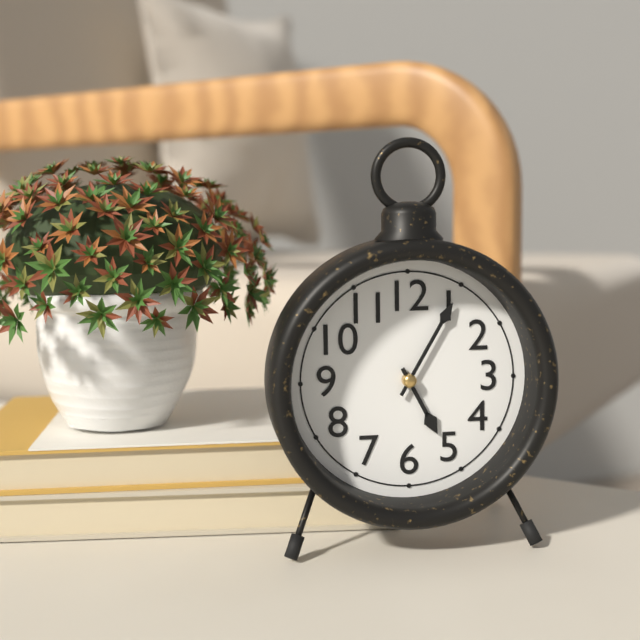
5:05
